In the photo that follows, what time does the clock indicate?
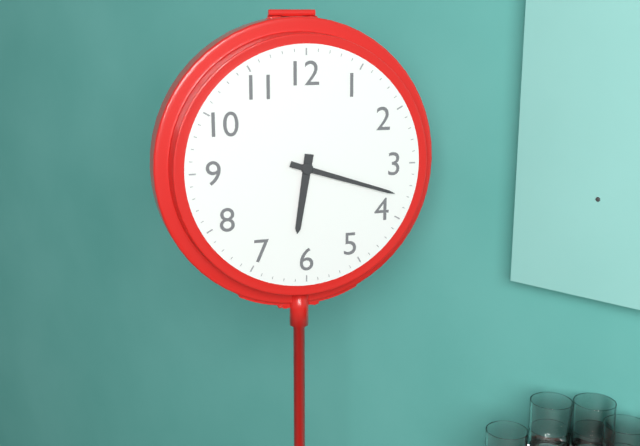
6:18
